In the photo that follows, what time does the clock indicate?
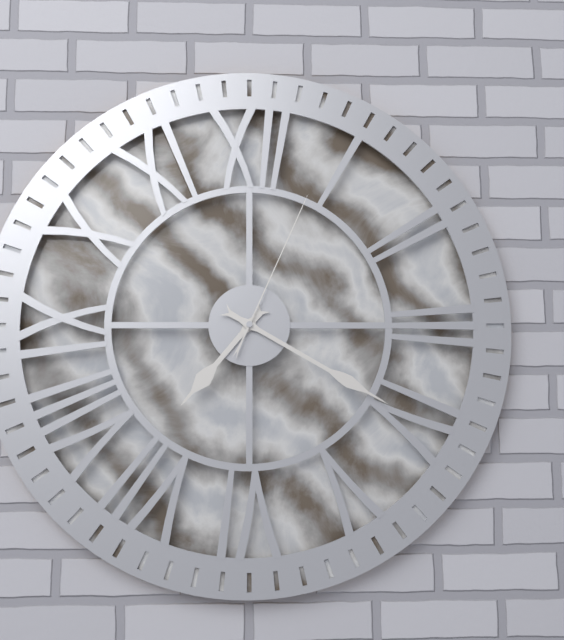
7:20:04
